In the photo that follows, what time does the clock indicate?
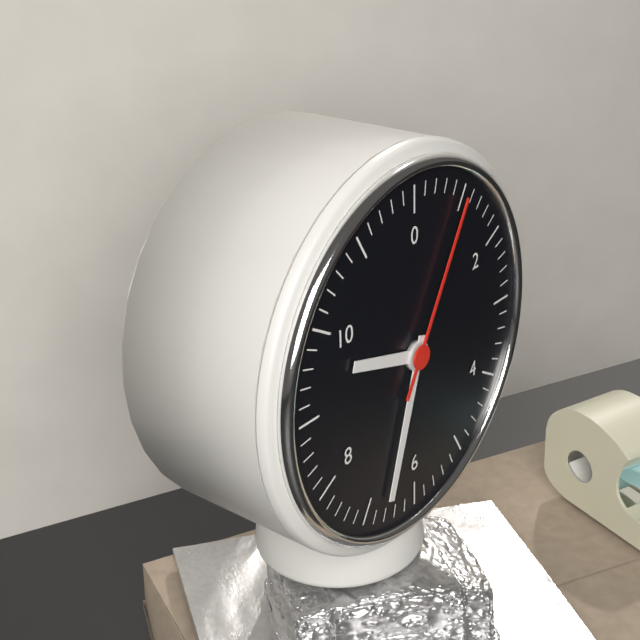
9:33:05
